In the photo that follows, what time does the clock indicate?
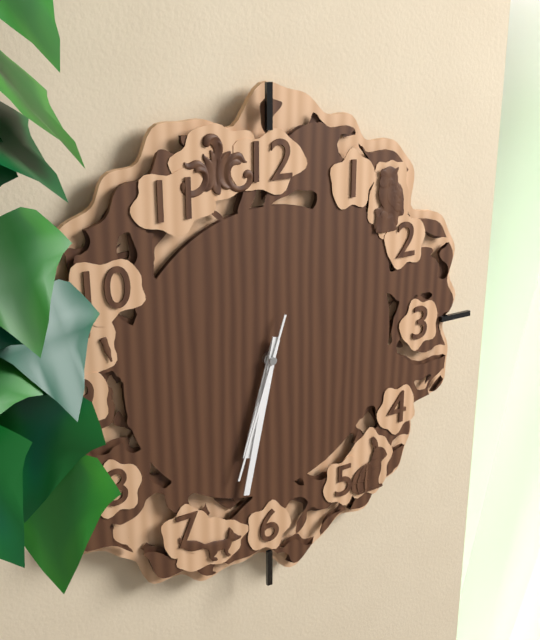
6:32:33
